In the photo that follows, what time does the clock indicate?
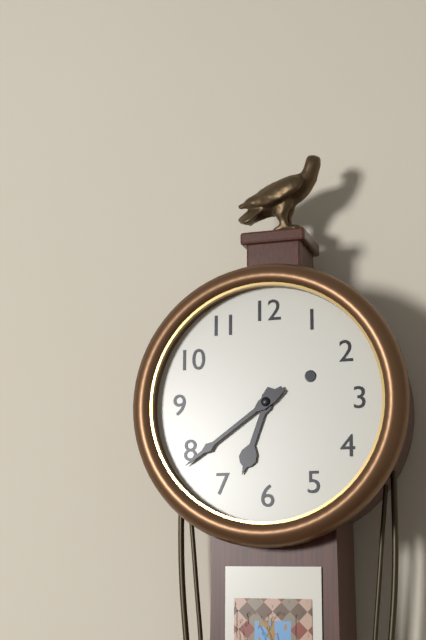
6:39
